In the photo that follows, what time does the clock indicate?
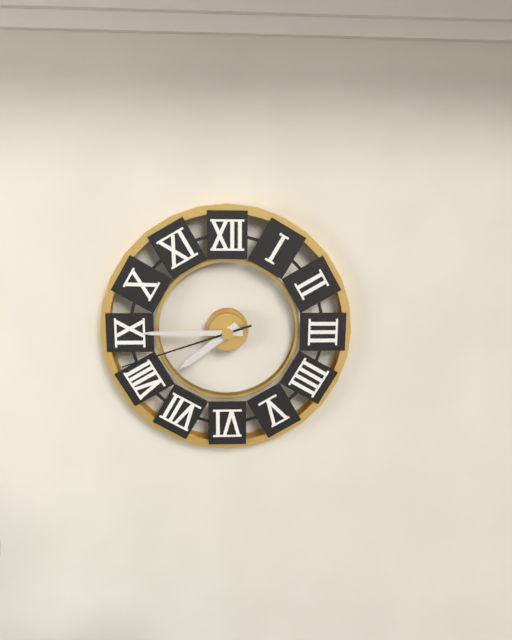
7:45:42
